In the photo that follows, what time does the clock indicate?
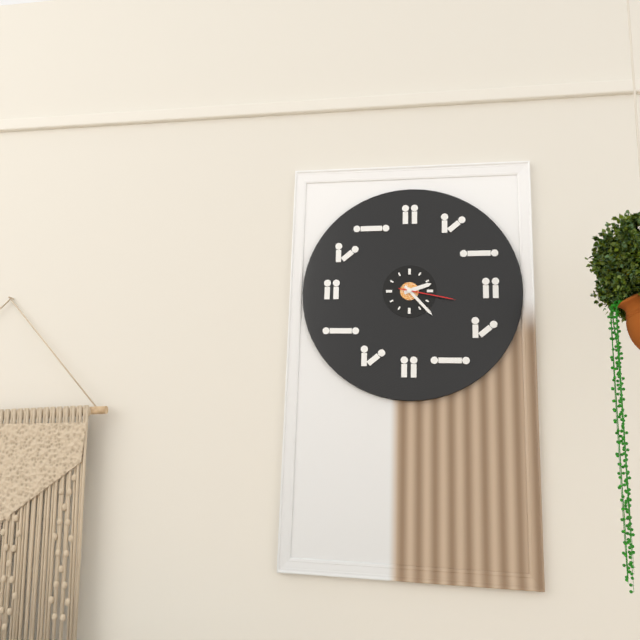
2:23:17
